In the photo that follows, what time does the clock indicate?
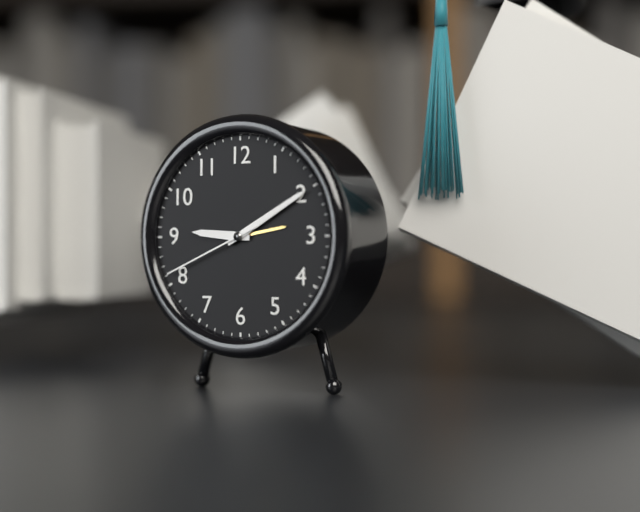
9:10:41
